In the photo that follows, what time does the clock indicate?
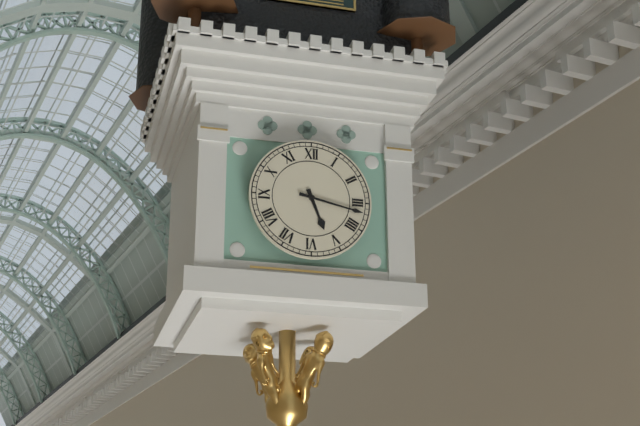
5:17
